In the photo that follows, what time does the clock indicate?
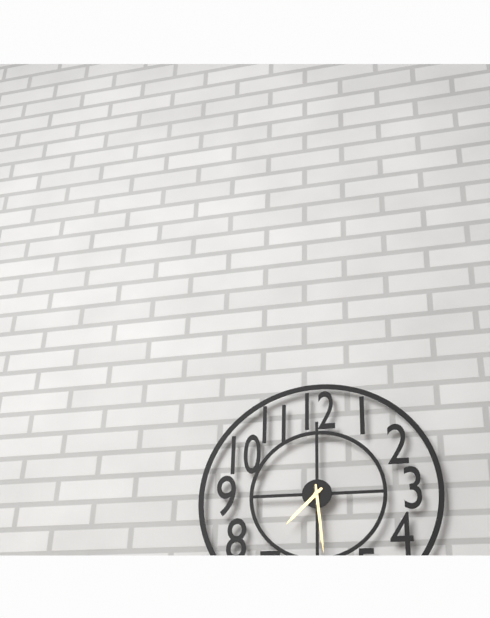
7:29
